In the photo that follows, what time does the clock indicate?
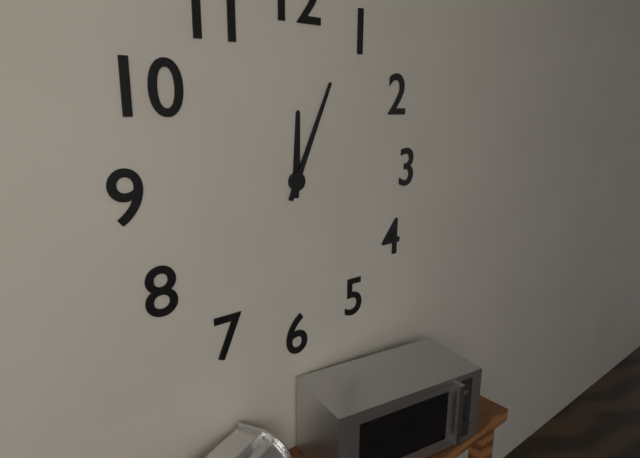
12:04
